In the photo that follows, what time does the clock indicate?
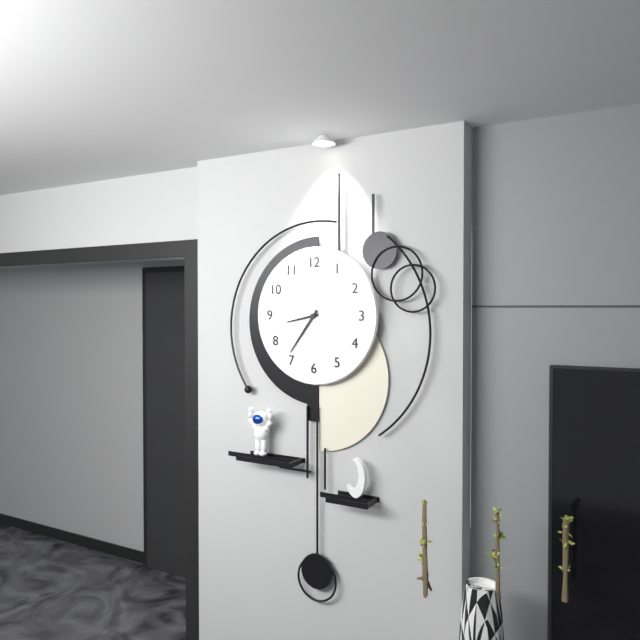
8:36
